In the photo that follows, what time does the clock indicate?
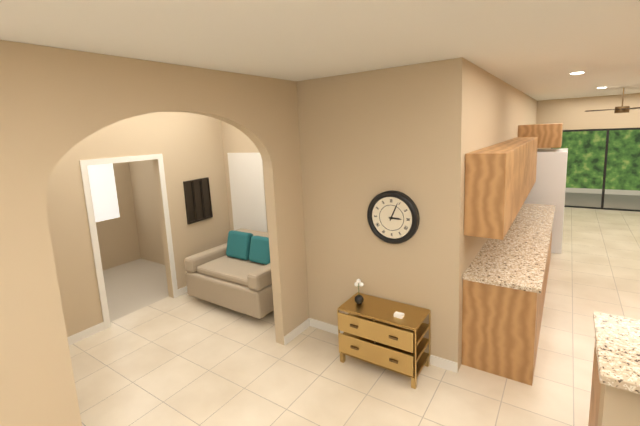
3:04
